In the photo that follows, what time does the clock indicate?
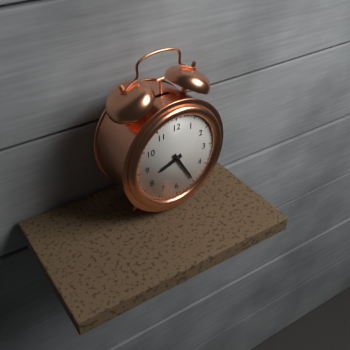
8:25
